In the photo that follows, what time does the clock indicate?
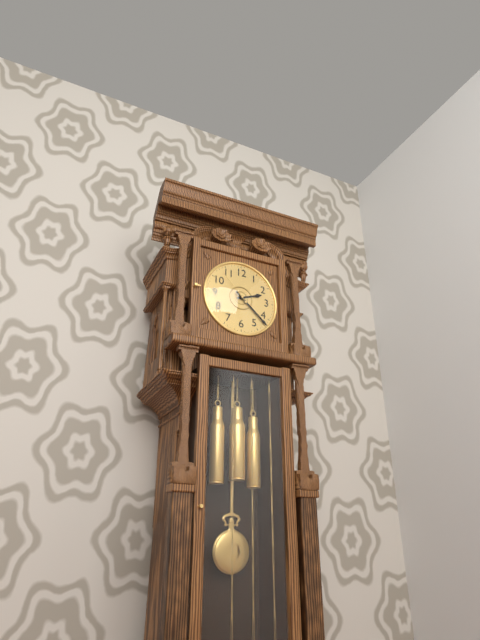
2:22
